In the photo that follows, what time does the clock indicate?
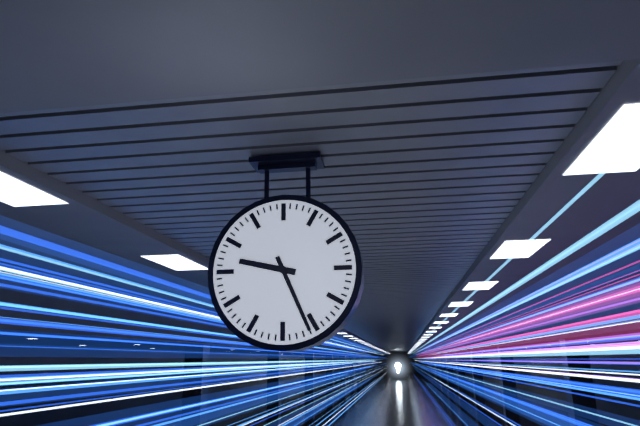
9:26
